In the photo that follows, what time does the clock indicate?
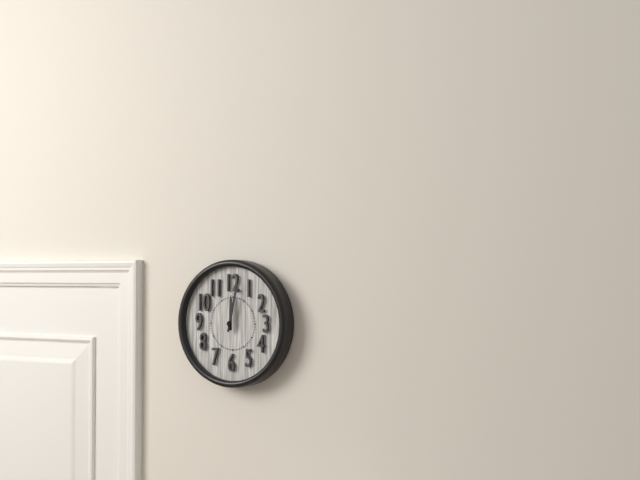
12:02
